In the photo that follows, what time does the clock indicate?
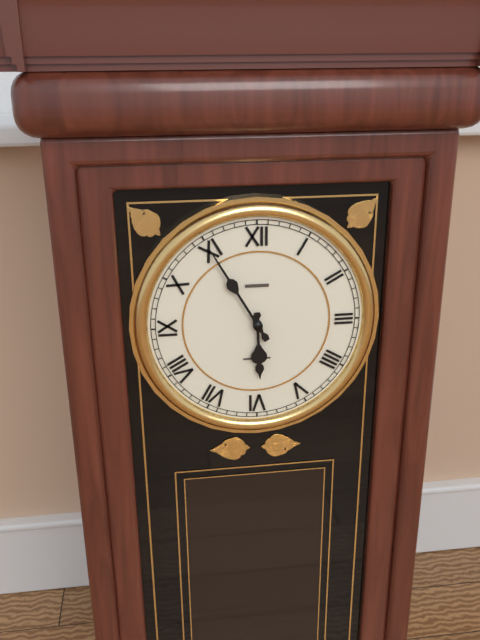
5:55
